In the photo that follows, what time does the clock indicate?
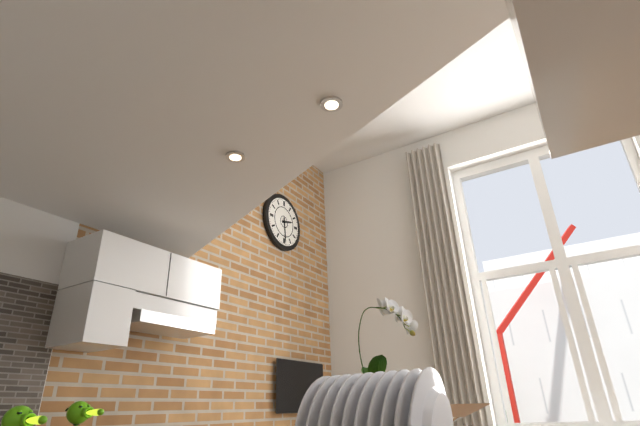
2:29
